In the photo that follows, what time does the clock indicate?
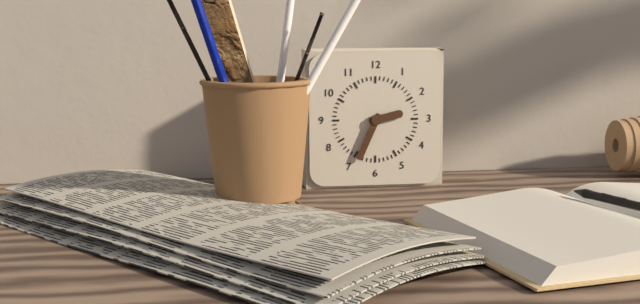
2:34
